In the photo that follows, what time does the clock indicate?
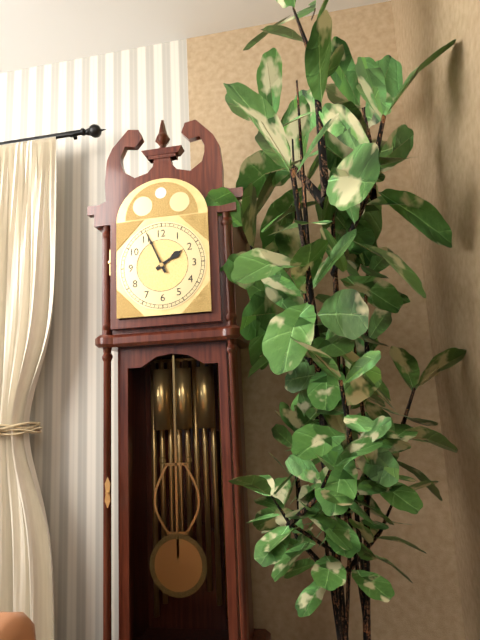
1:56
